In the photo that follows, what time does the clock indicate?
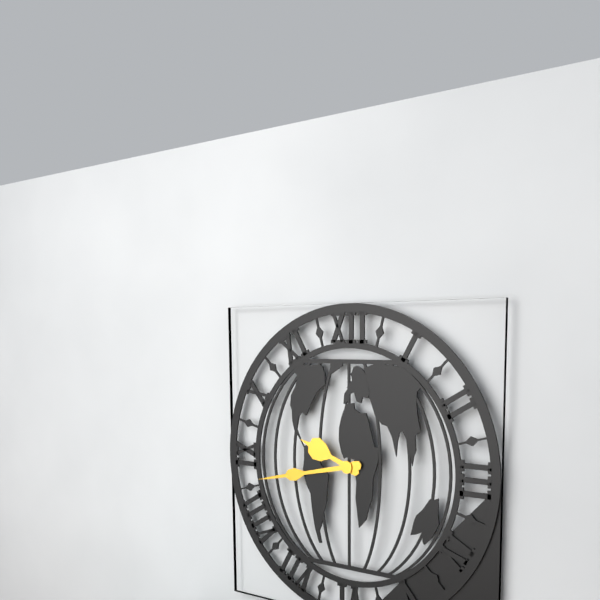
9:43
